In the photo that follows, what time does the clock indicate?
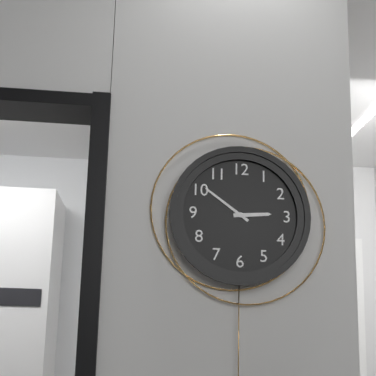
2:51
